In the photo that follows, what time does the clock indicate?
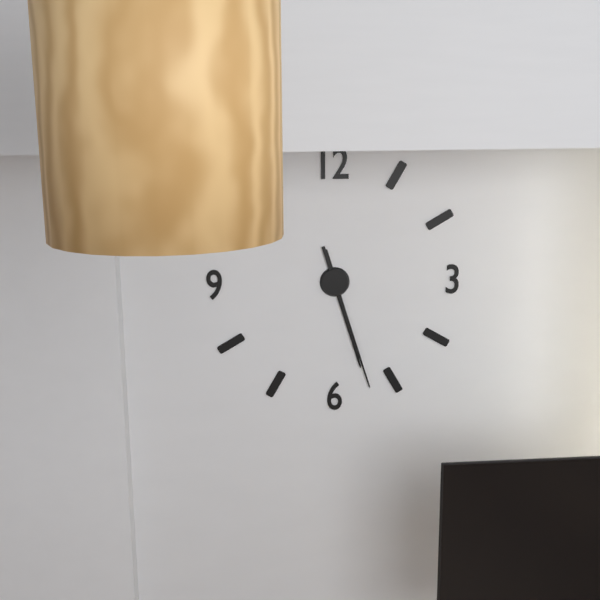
5:27
